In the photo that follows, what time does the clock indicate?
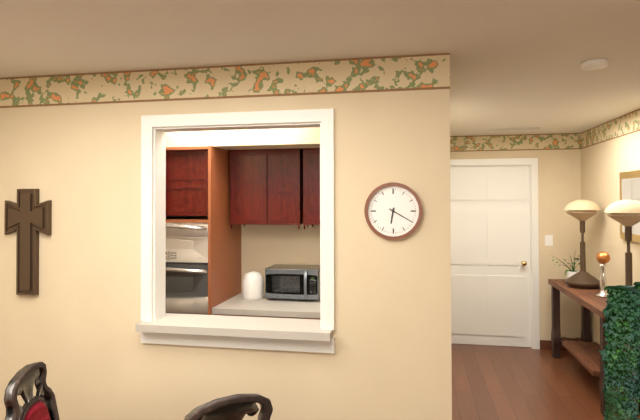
6:20
